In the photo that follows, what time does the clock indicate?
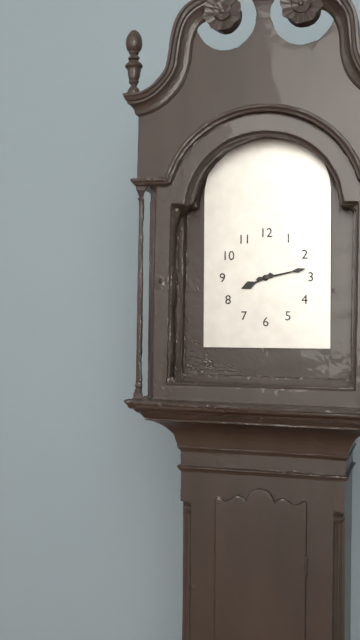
8:13
